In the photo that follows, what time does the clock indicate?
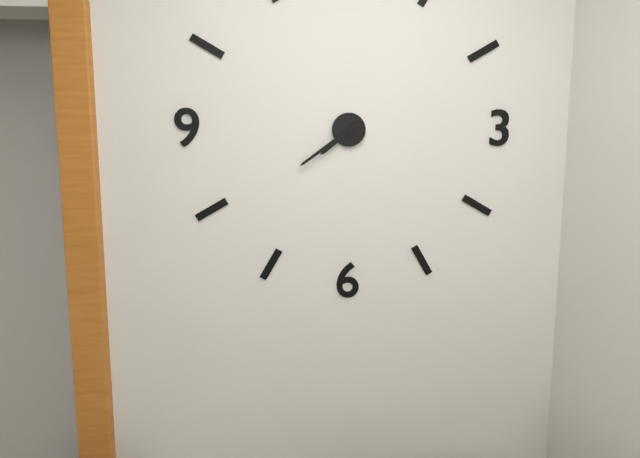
7:39
